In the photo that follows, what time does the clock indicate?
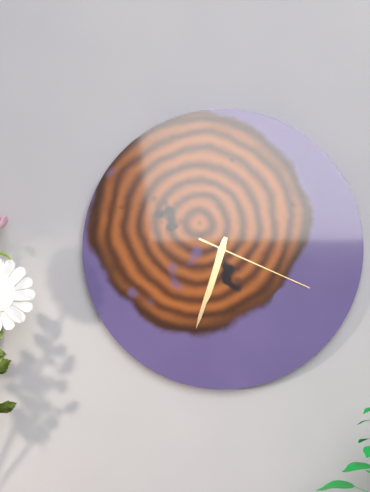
6:33:19
